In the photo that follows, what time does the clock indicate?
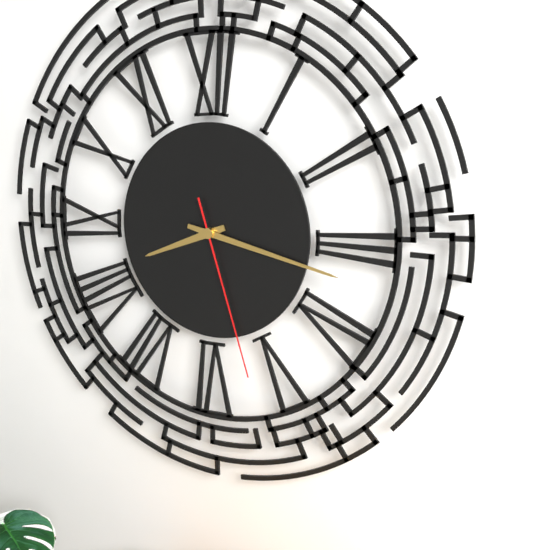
8:17:27
